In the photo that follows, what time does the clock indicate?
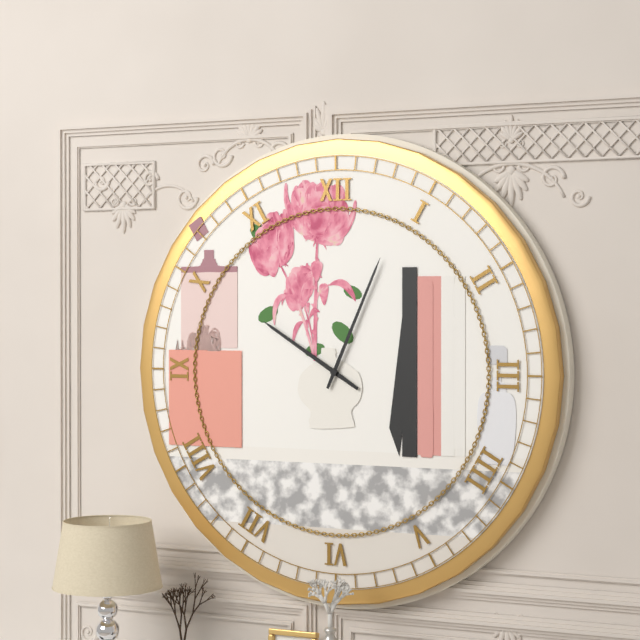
10:04
